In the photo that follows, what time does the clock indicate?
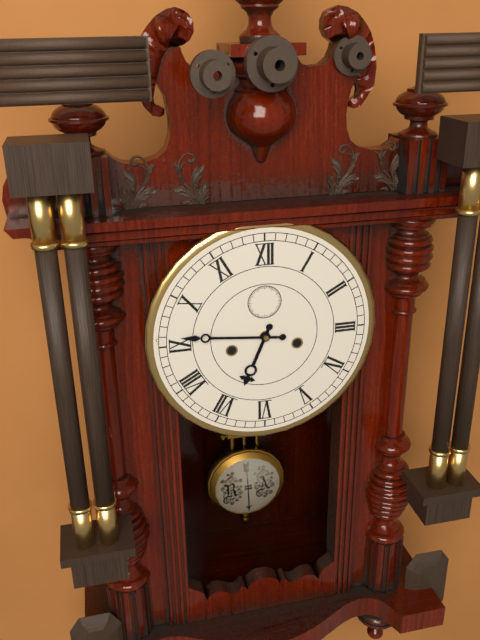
6:46
